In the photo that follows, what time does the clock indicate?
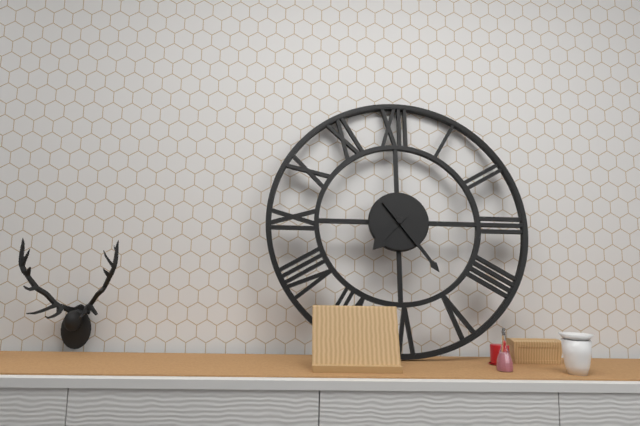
7:24
